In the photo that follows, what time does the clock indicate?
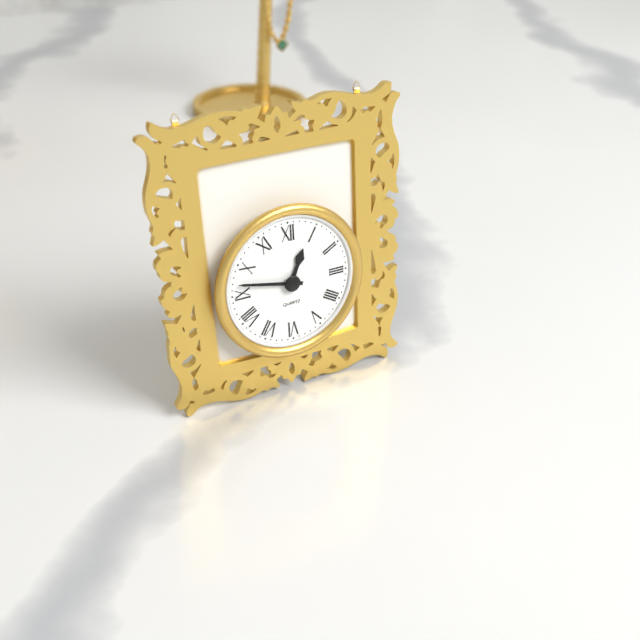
12:47
